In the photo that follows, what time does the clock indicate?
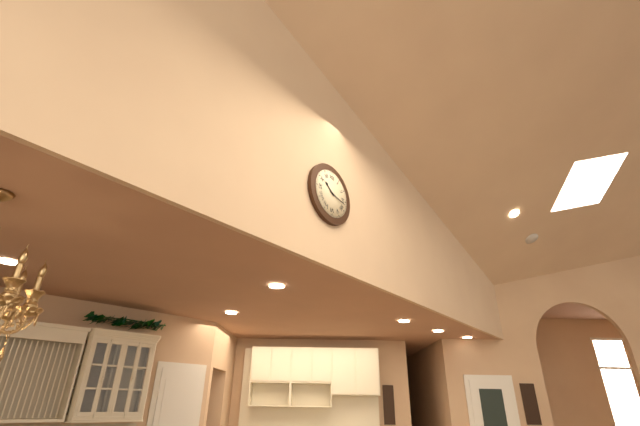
10:17
